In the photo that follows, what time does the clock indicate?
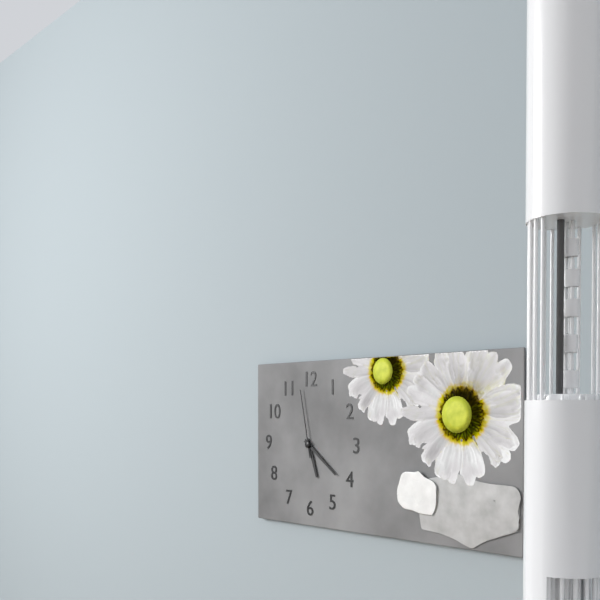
5:21:58
